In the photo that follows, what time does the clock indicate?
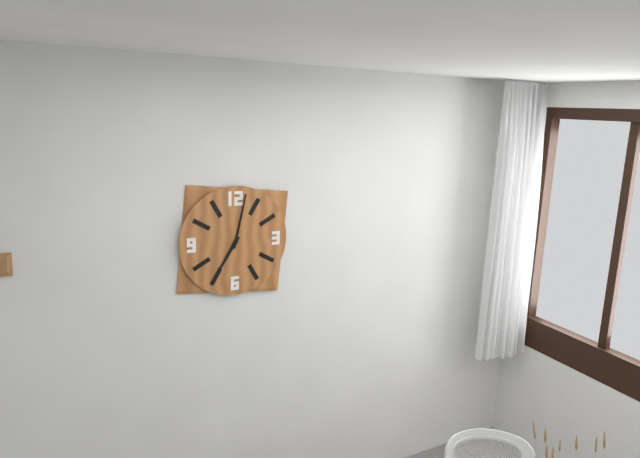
7:02
